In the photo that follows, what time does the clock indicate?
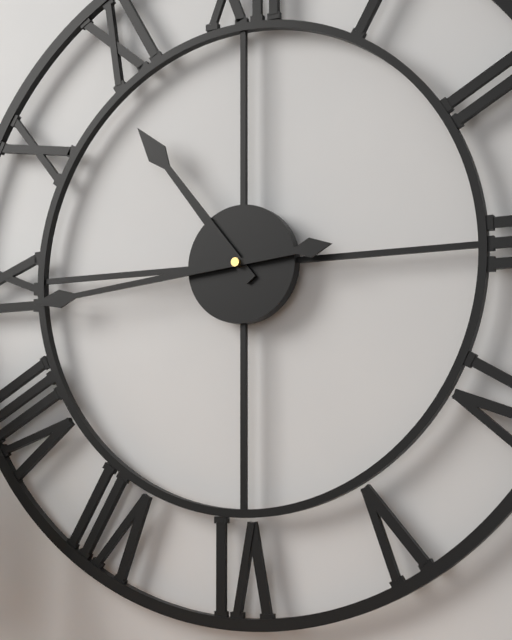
10:44
